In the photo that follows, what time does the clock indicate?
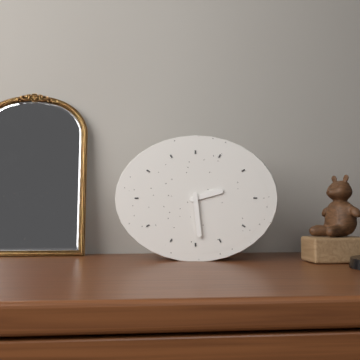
2:29
